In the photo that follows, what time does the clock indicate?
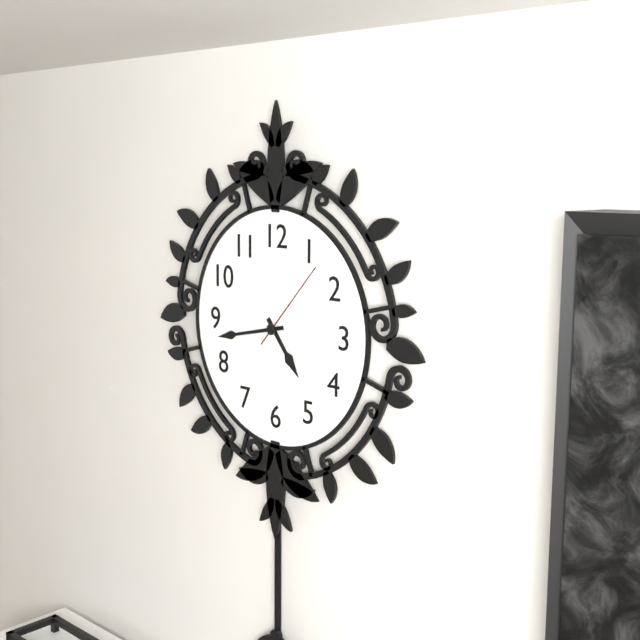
4:43:07
